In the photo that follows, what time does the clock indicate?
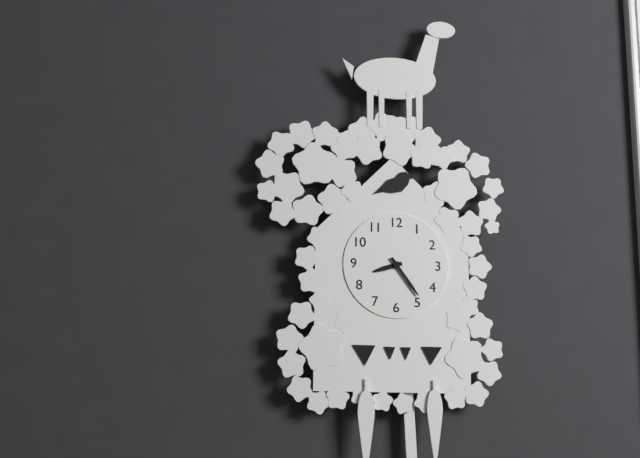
8:24
